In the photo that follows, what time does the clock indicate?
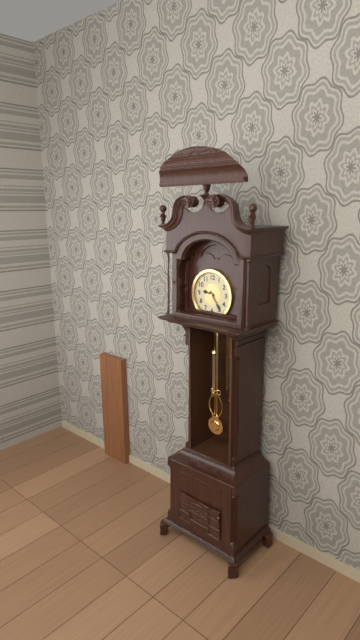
9:24
